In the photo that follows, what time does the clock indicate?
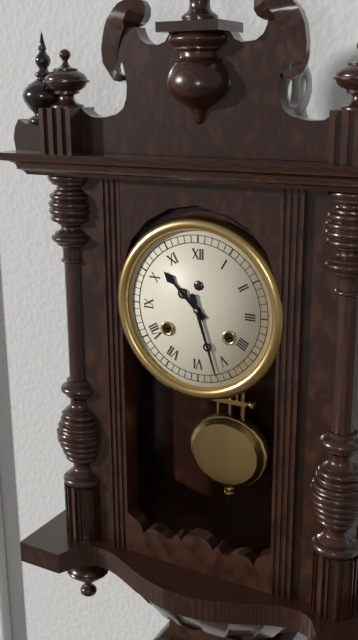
10:27
